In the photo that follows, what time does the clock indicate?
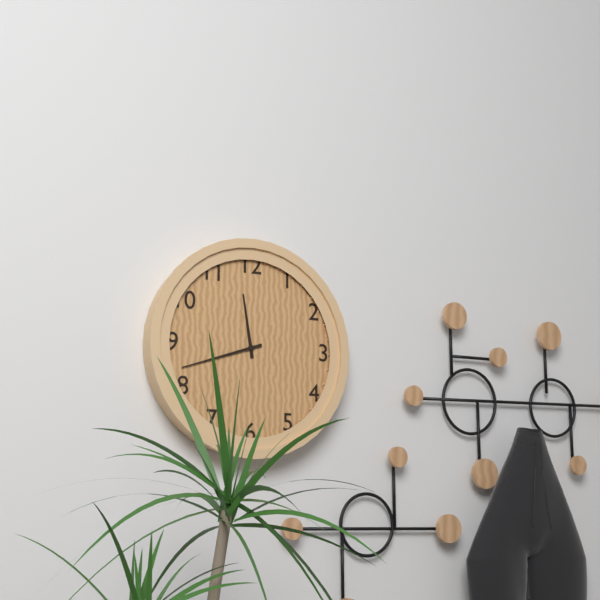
11:42
